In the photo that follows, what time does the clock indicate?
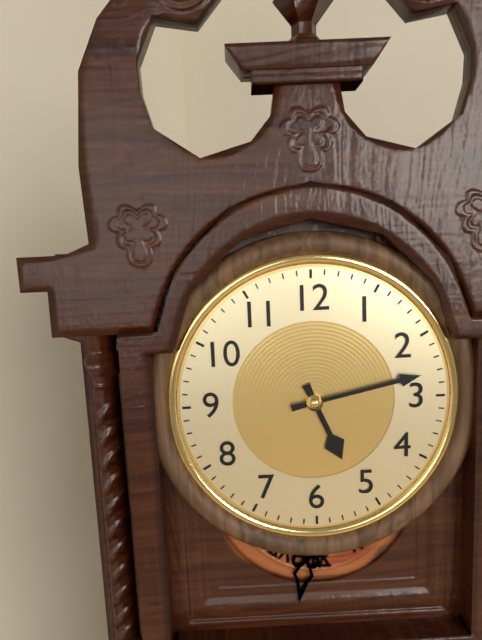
5:13
